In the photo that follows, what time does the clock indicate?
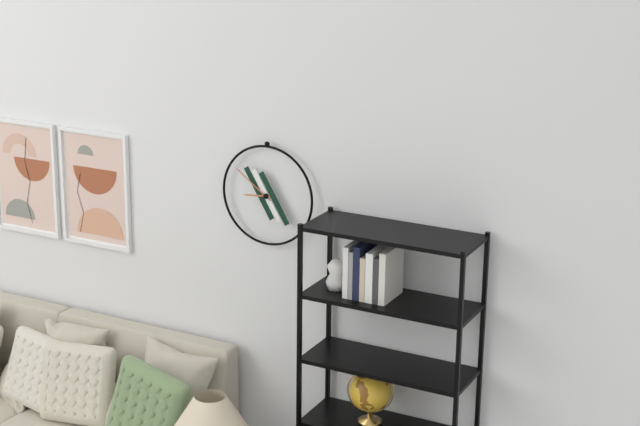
8:51
